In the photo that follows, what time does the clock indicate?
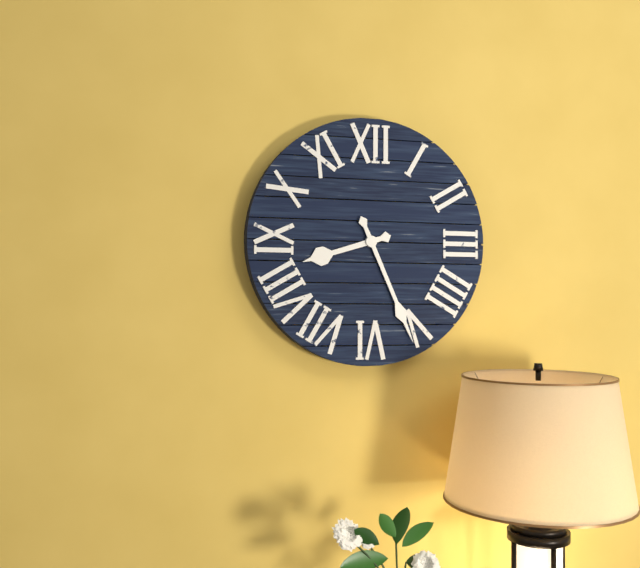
8:26
